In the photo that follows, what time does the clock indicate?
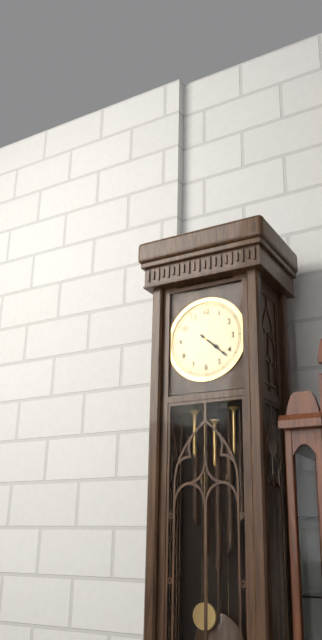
4:22
